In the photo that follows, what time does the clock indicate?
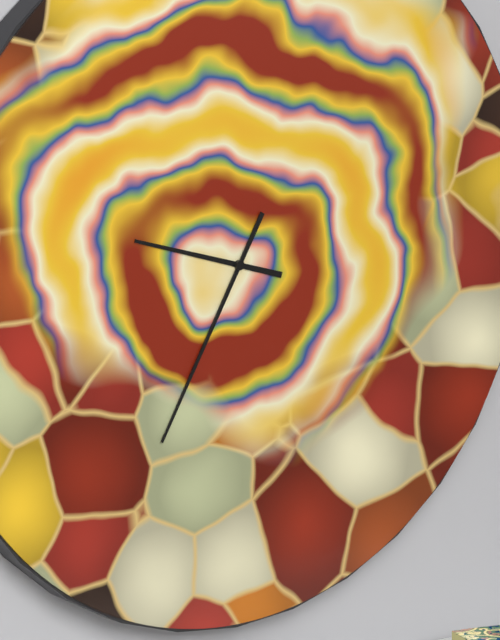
9:35
